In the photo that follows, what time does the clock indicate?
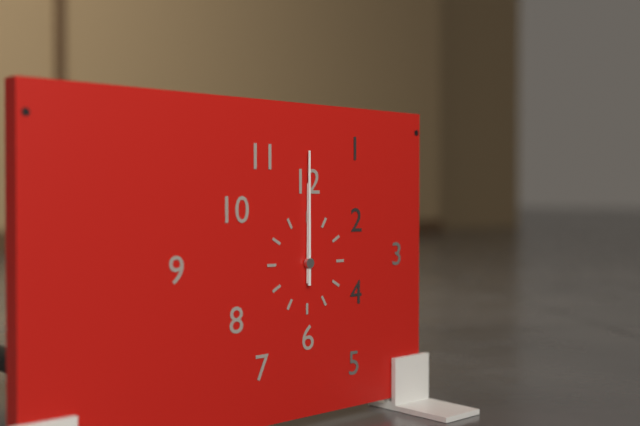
12:00
